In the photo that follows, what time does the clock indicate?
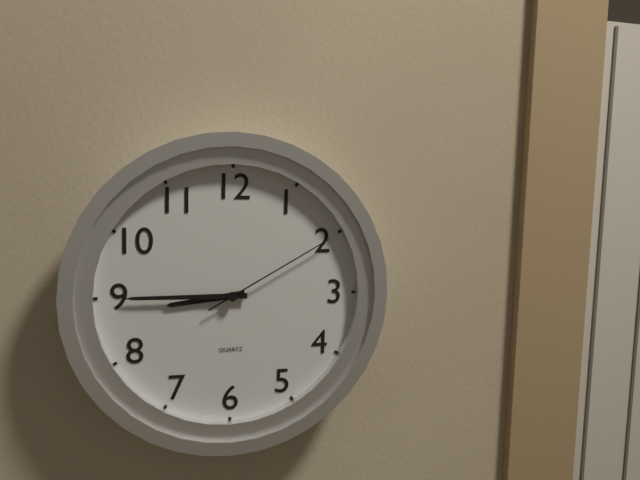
8:45:10
